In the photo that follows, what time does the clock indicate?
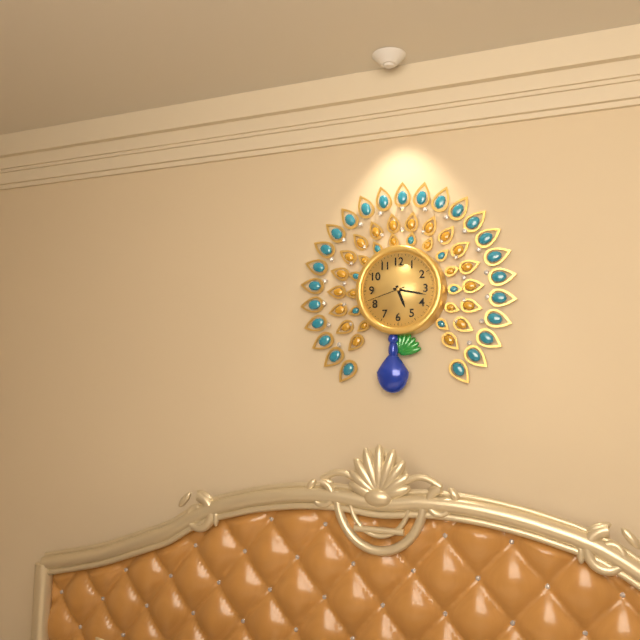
5:17
